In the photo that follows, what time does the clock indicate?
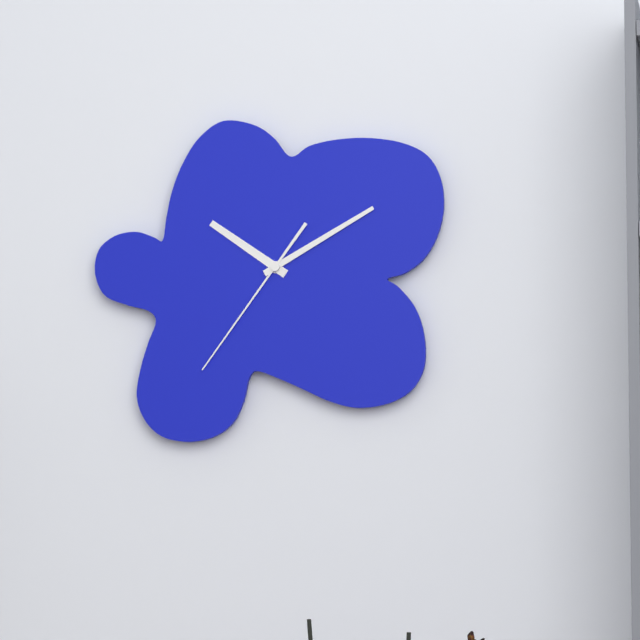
10:10:36
